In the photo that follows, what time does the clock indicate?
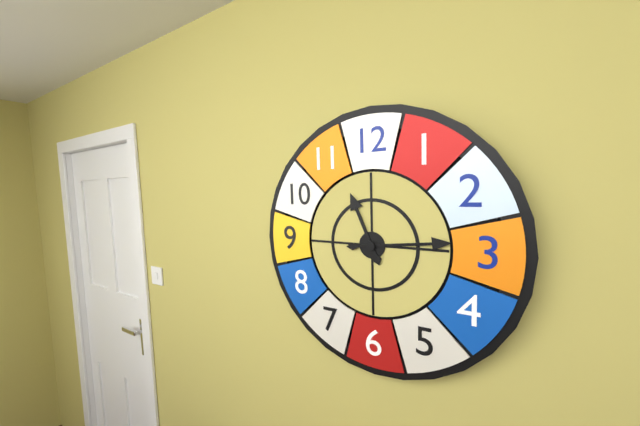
11:14
